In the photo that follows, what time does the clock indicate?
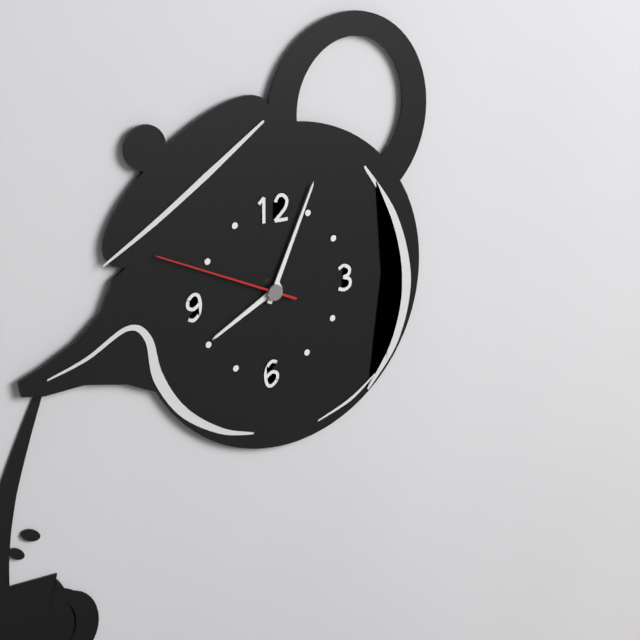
8:04:49
